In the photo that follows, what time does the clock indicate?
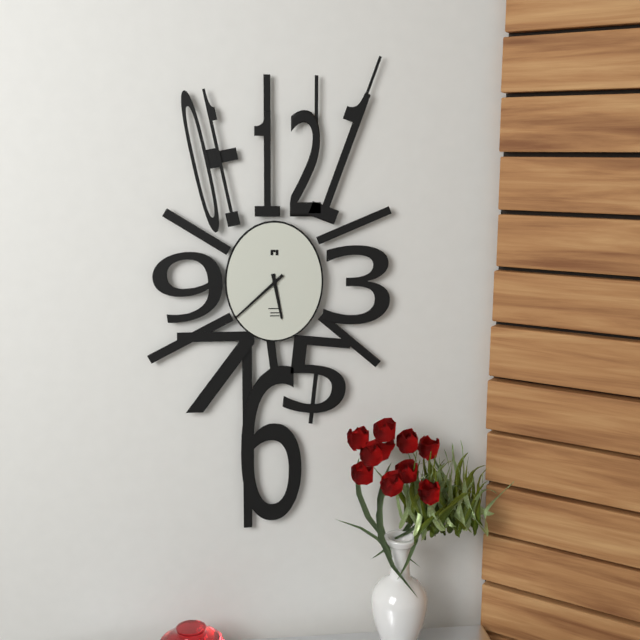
5:38
